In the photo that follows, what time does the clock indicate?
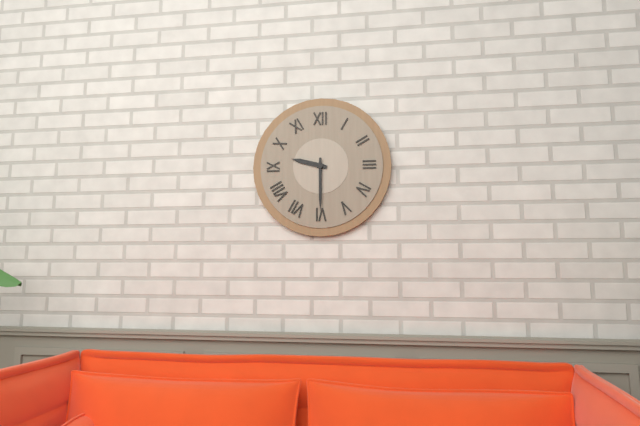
9:30
